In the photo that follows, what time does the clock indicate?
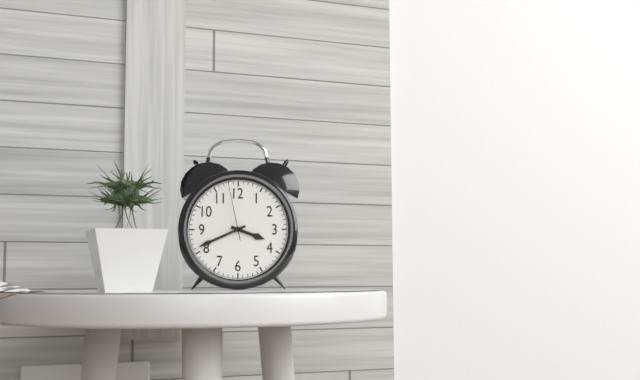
3:41:58
